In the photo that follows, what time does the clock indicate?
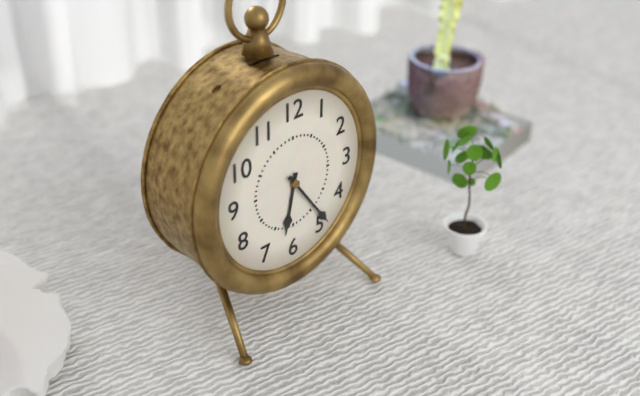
6:24
